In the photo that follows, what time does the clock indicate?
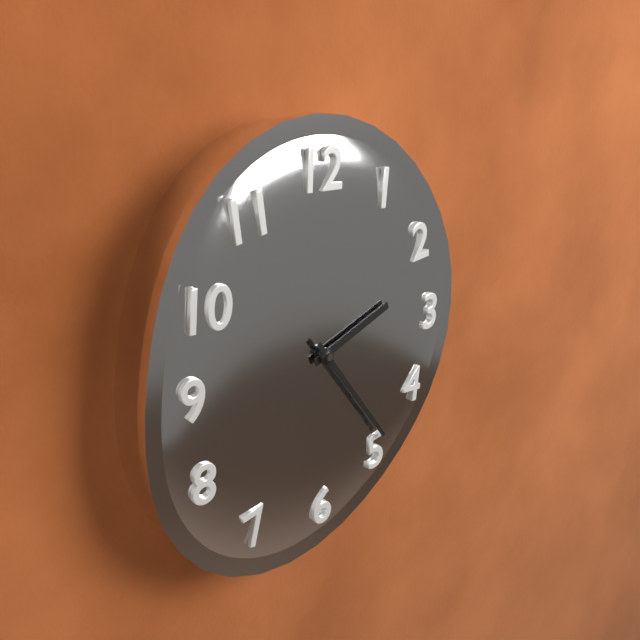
2:24
